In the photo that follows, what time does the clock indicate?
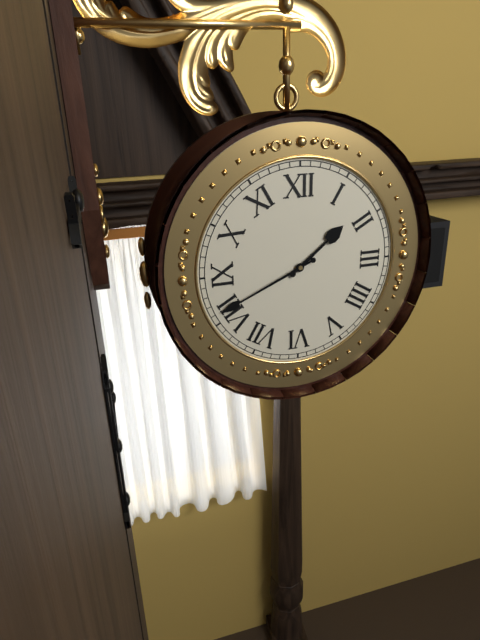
1:41
